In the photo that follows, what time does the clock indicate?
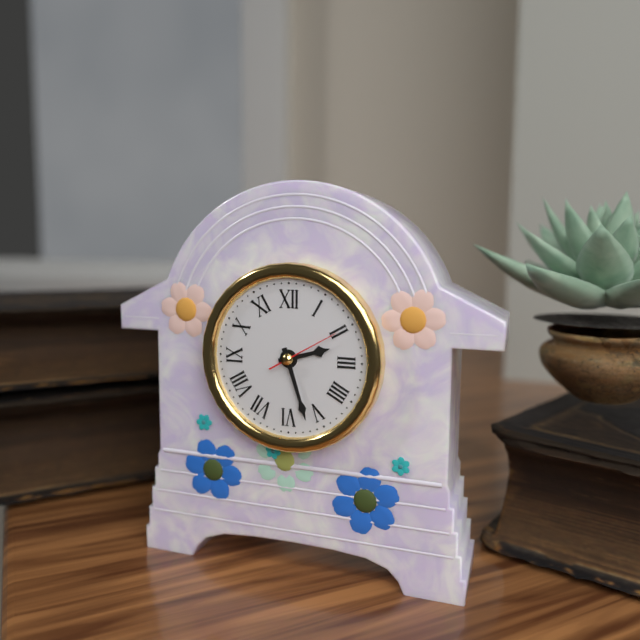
2:27:10
